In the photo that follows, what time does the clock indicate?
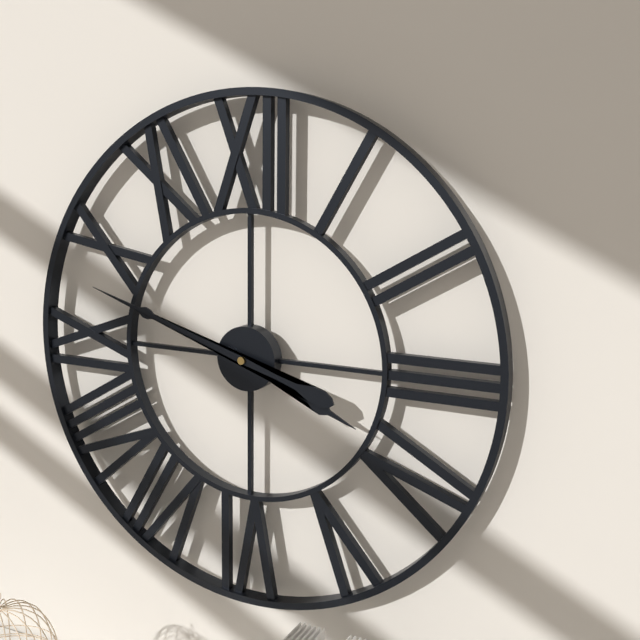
3:48
